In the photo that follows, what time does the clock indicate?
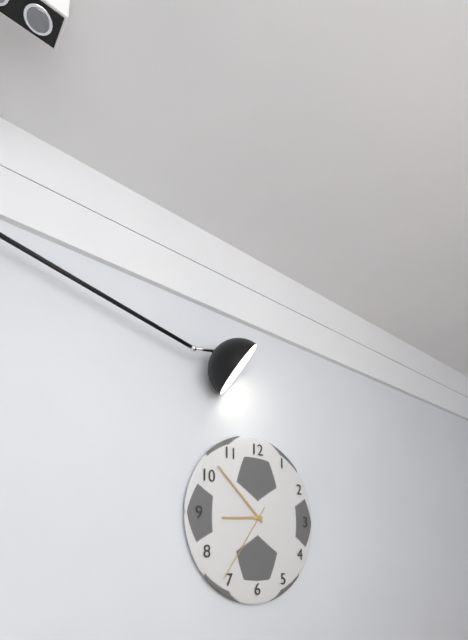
8:52:36
